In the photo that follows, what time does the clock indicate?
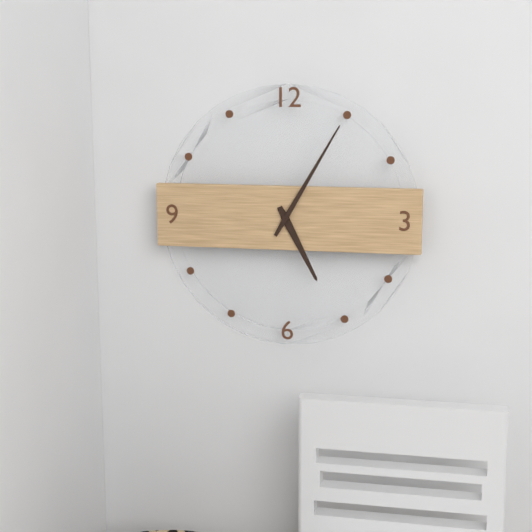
5:05
